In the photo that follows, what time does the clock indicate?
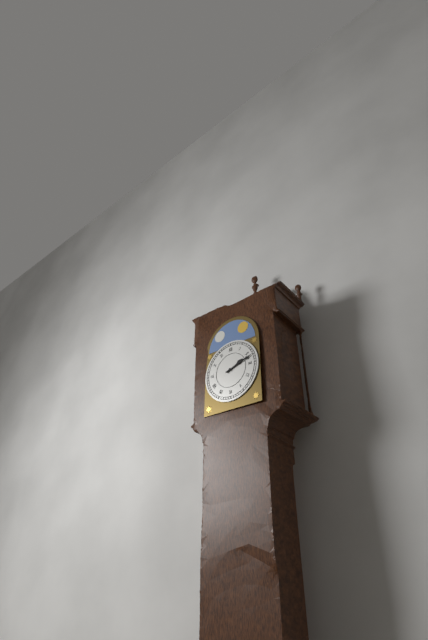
2:12
